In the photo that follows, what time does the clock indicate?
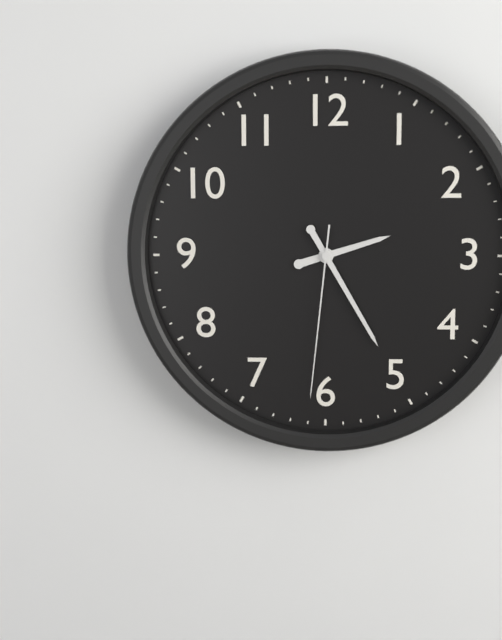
2:25:31
